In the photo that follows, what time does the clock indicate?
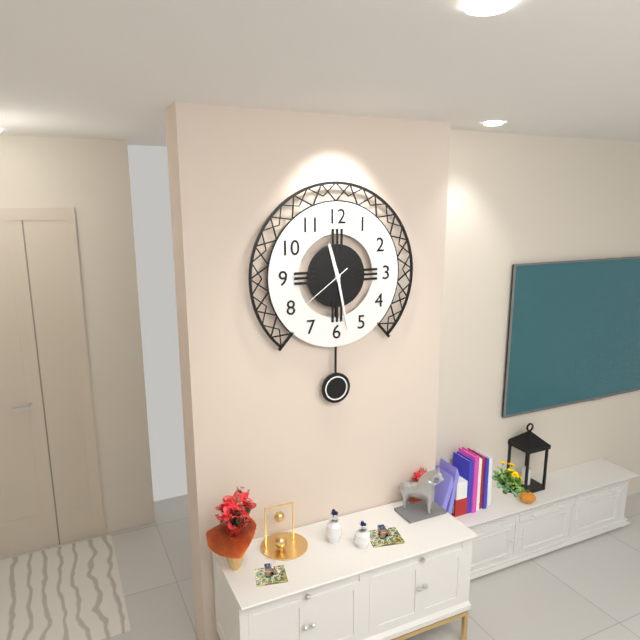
11:28:39
